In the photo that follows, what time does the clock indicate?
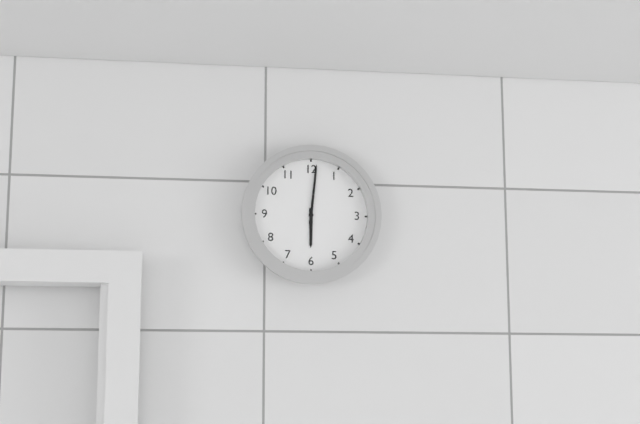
6:01
